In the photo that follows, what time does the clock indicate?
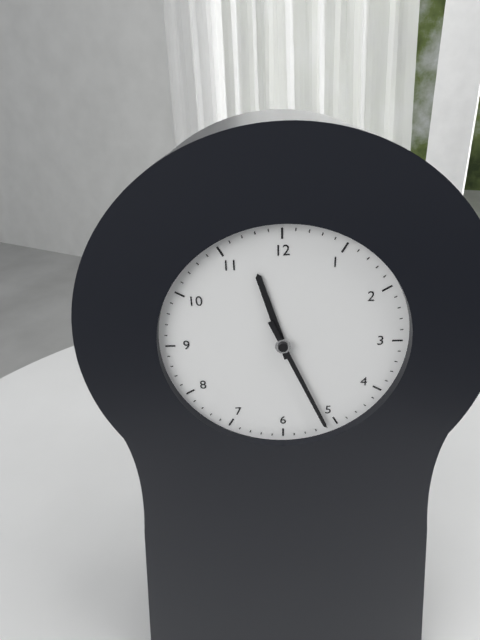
11:26
